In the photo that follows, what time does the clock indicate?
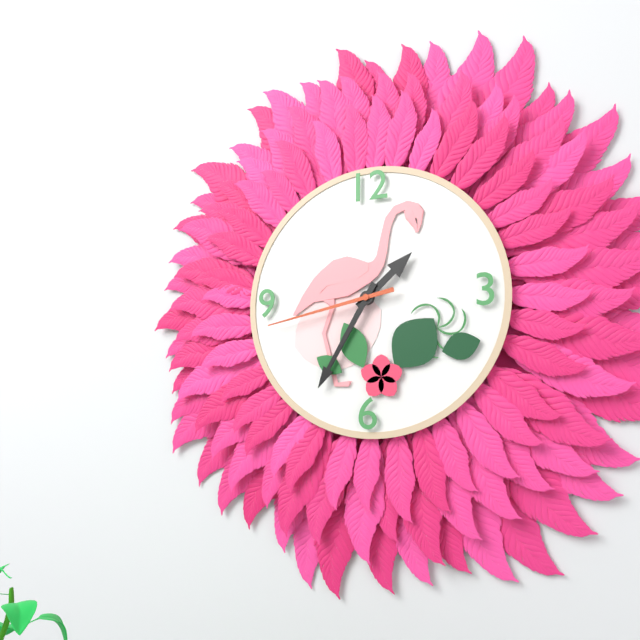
1:35:43
